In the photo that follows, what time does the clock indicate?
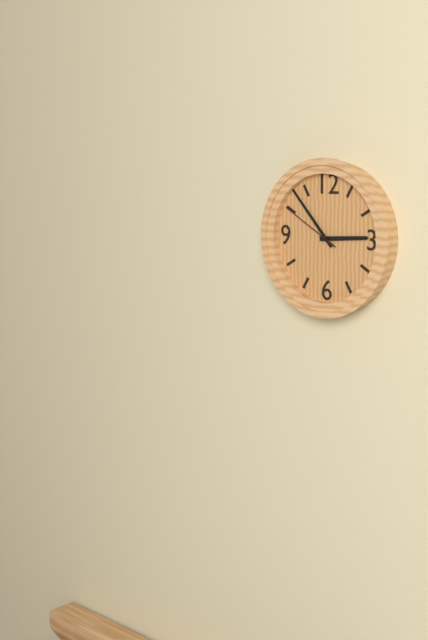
2:53:50
